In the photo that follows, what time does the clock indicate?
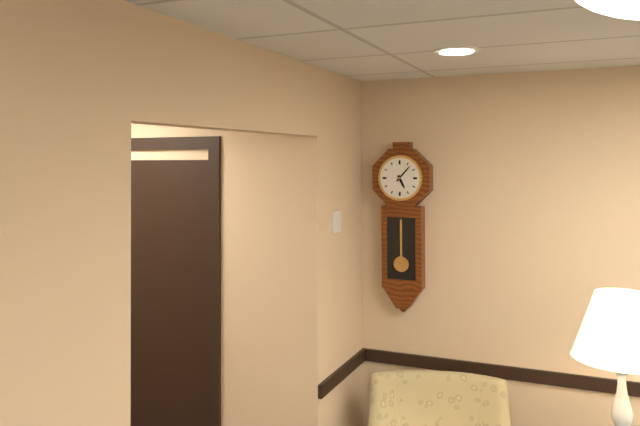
5:07
